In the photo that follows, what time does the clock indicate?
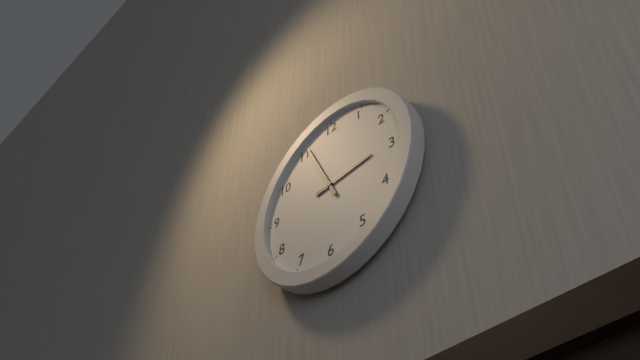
2:56
